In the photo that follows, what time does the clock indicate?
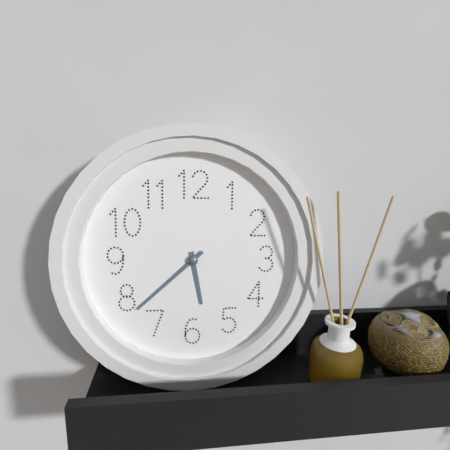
5:38
